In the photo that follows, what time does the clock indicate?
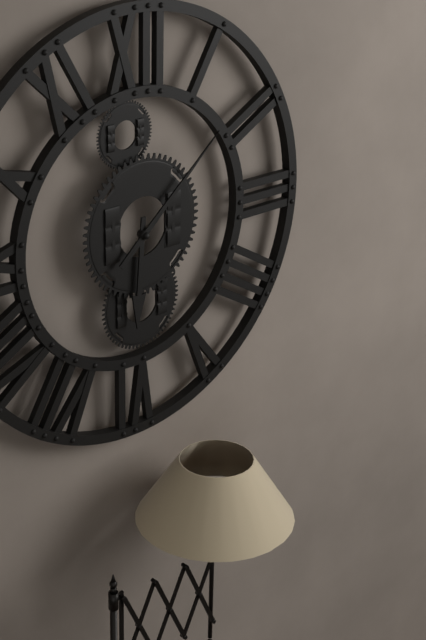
6:08
